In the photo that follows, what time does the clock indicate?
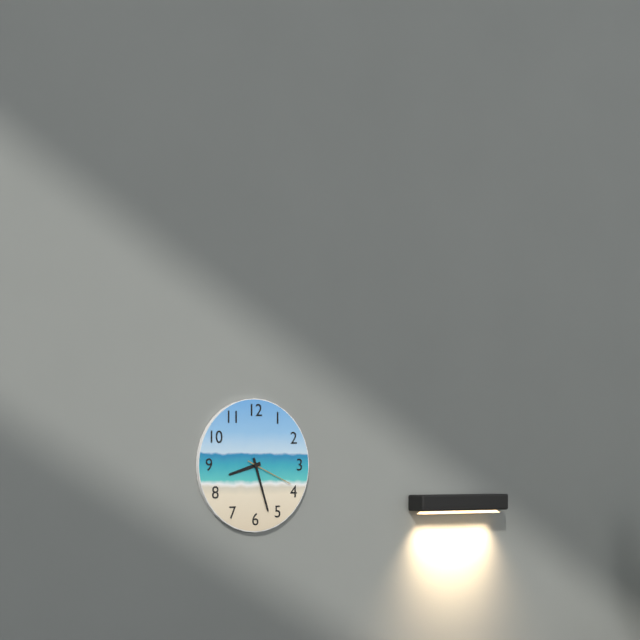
8:27:19
